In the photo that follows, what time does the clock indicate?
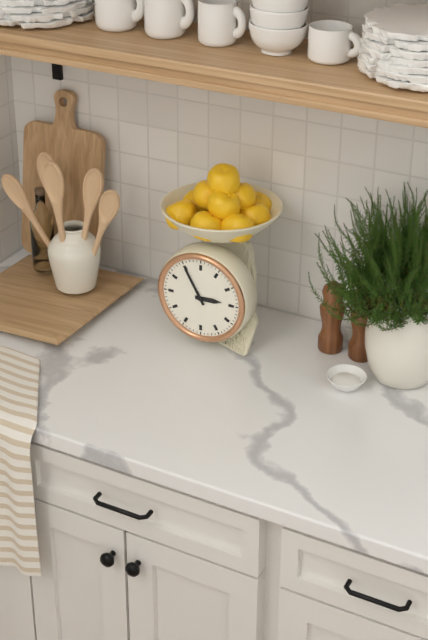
2:55
